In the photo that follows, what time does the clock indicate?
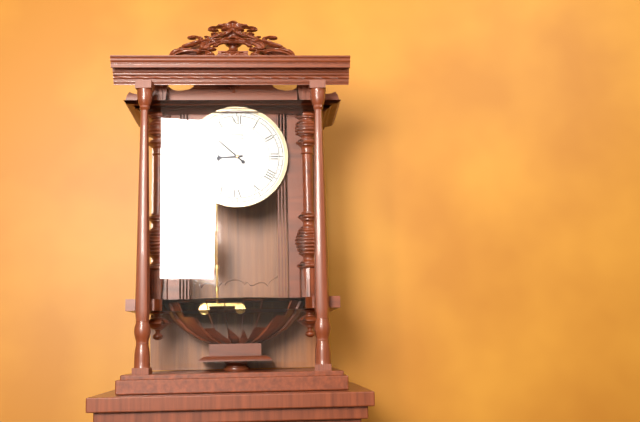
8:52
